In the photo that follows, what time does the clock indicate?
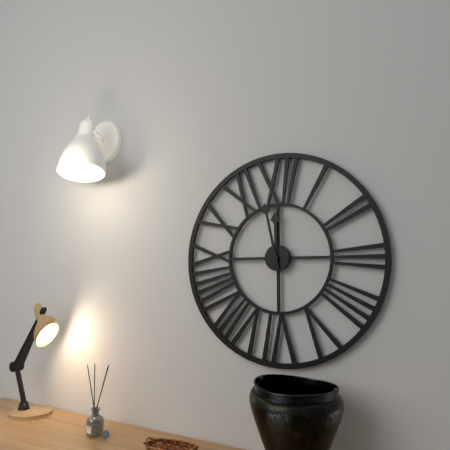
11:58
